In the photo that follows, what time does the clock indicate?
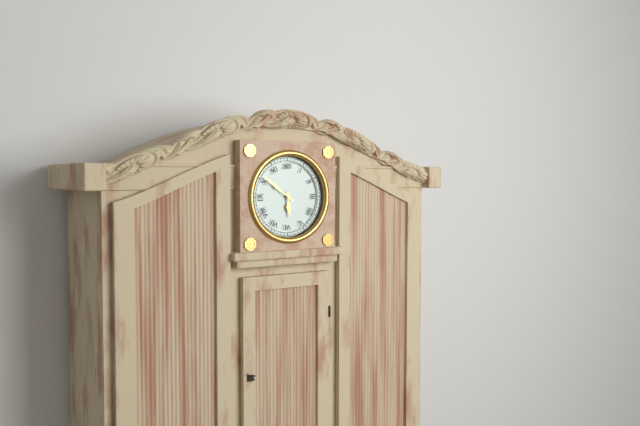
5:51
